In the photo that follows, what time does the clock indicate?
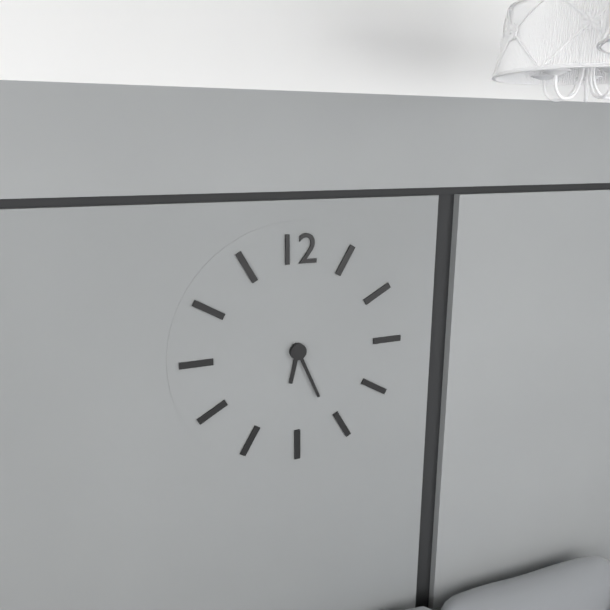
6:26
